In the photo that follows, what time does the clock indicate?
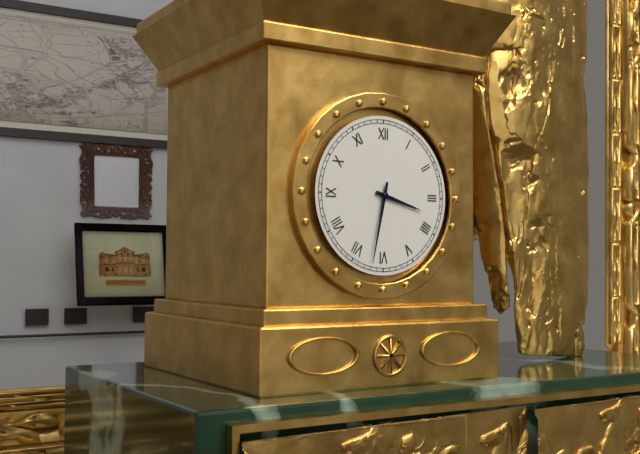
3:32
